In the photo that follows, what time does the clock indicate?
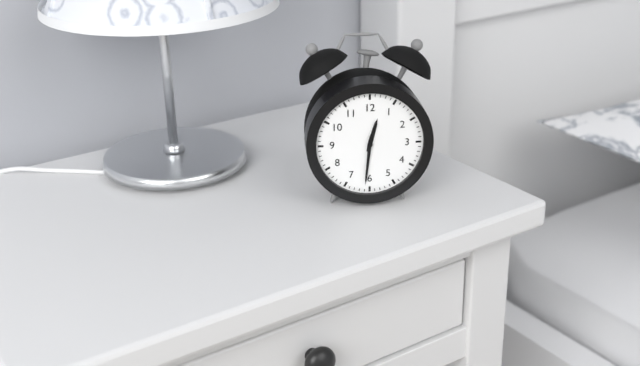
12:31
